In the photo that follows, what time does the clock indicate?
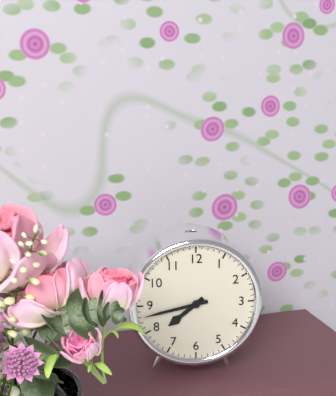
7:43
